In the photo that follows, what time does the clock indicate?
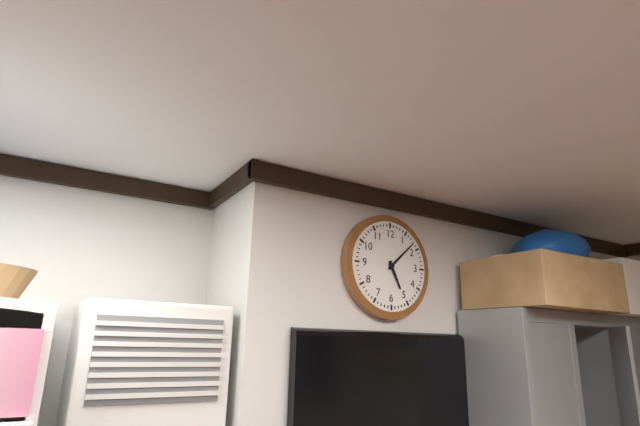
5:08
